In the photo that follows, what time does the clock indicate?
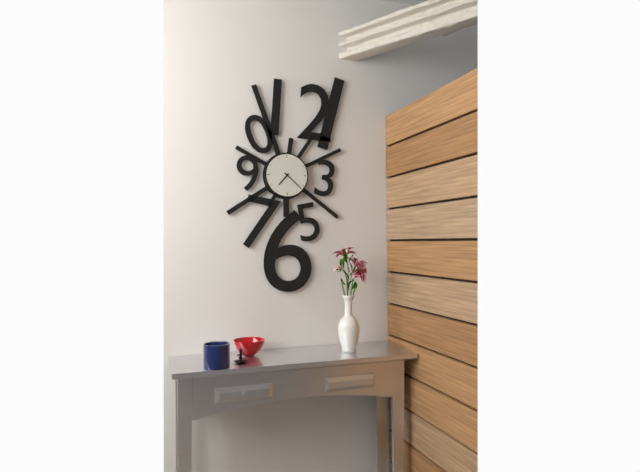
7:22
